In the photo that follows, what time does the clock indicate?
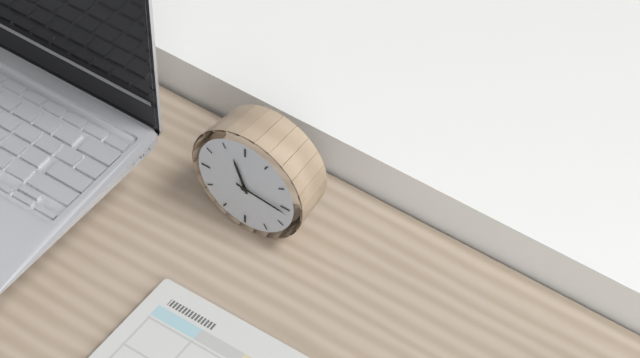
11:16
